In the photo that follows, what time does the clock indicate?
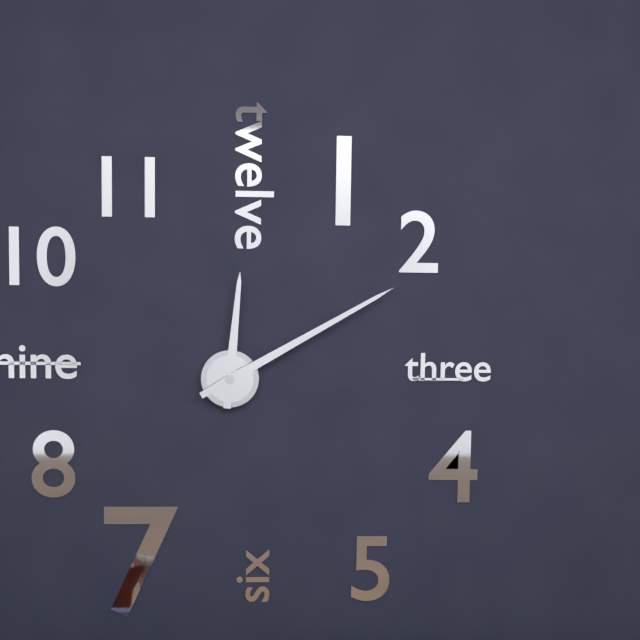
12:10
